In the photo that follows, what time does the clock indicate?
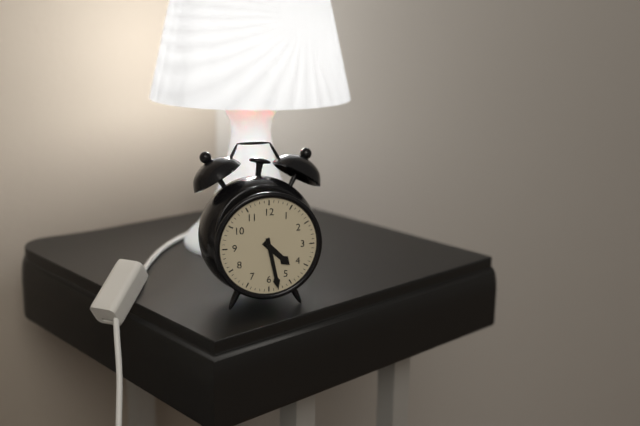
4:28
